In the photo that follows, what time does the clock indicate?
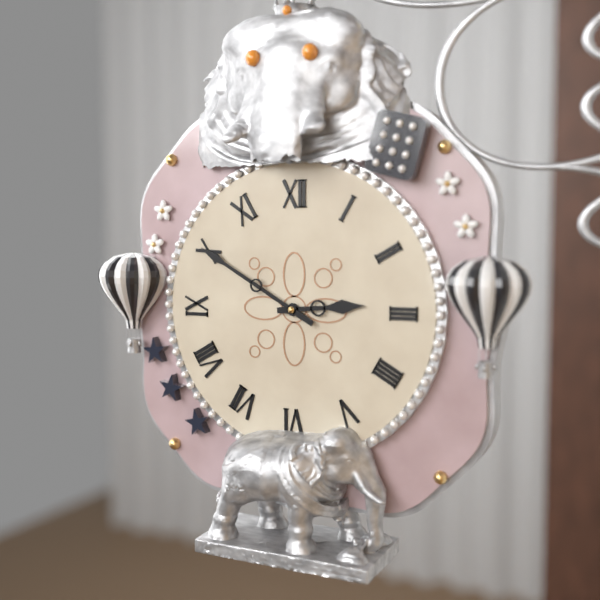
2:50
